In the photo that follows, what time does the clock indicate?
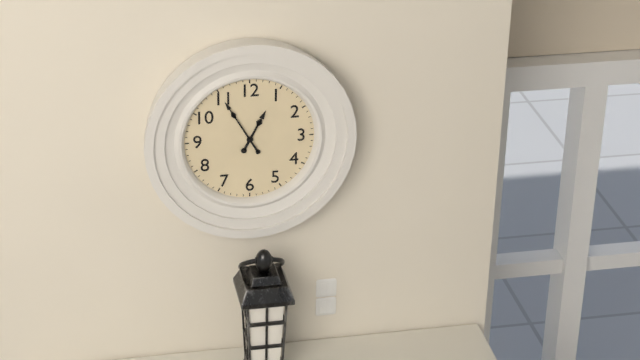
12:55
